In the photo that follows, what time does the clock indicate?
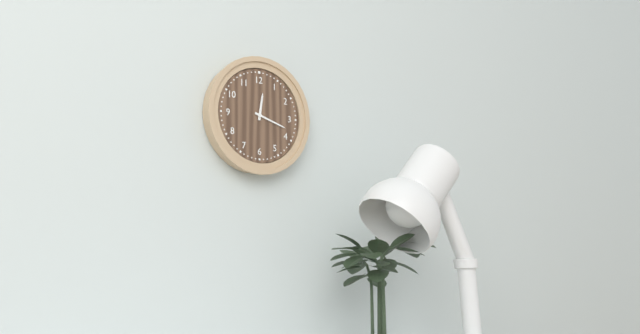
12:18
